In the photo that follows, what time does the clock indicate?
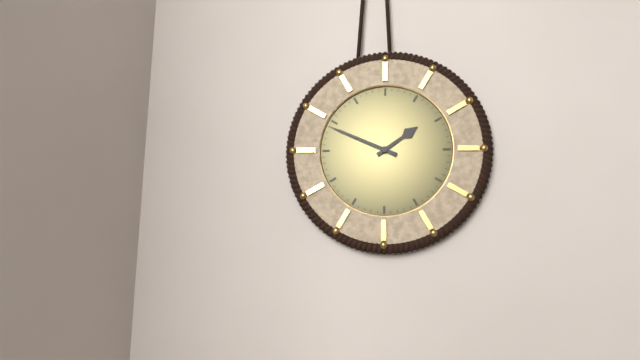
1:49
